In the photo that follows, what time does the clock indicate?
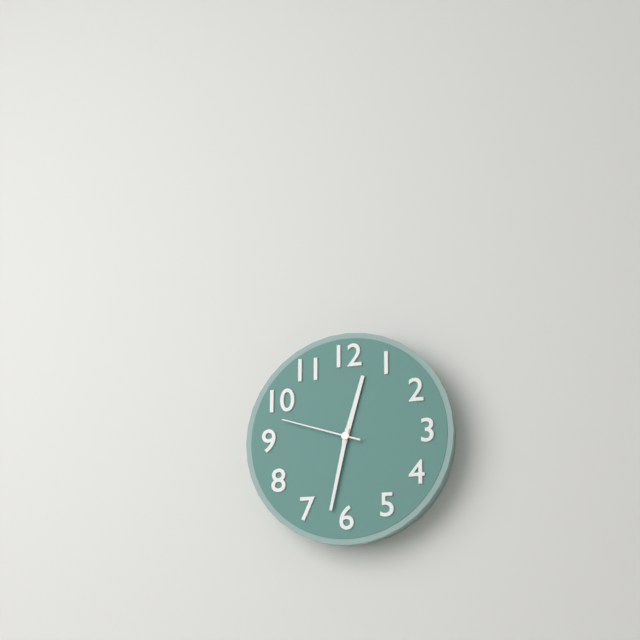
12:32:48
